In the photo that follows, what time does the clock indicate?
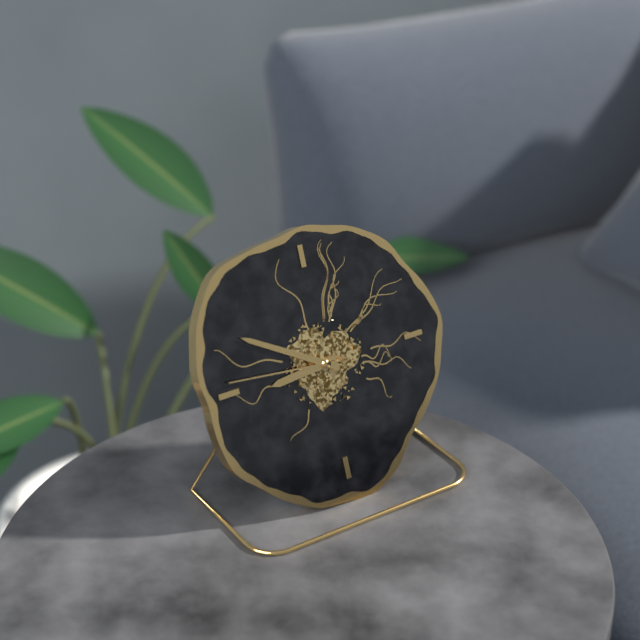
8:50:46
